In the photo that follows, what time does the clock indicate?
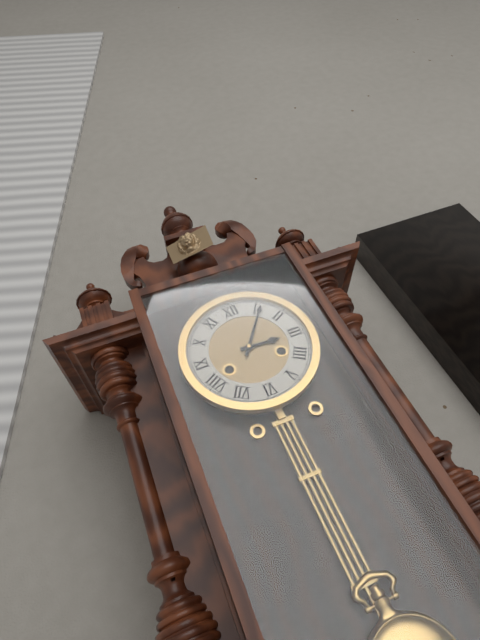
3:06
